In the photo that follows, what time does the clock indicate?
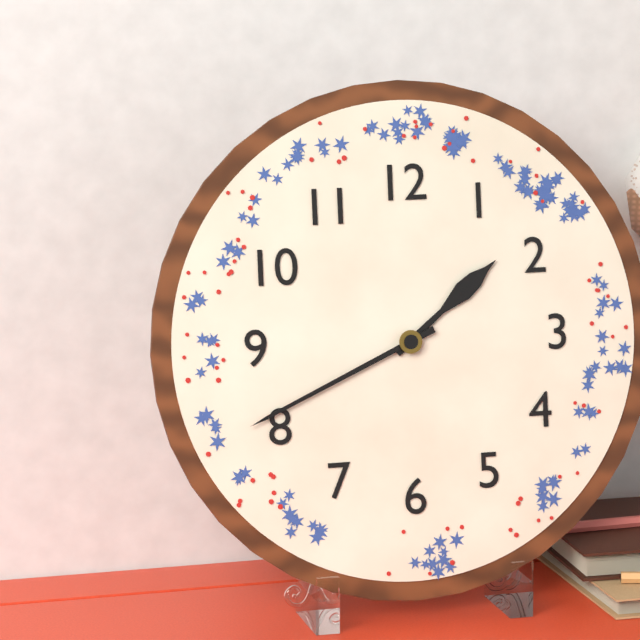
1:41
